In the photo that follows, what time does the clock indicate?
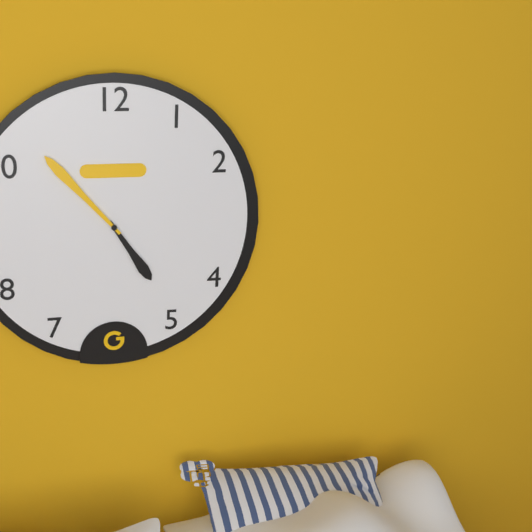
4:53
